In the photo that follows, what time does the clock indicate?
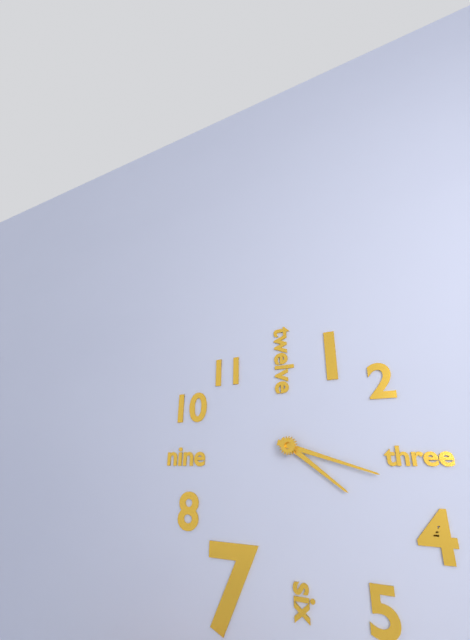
4:18
